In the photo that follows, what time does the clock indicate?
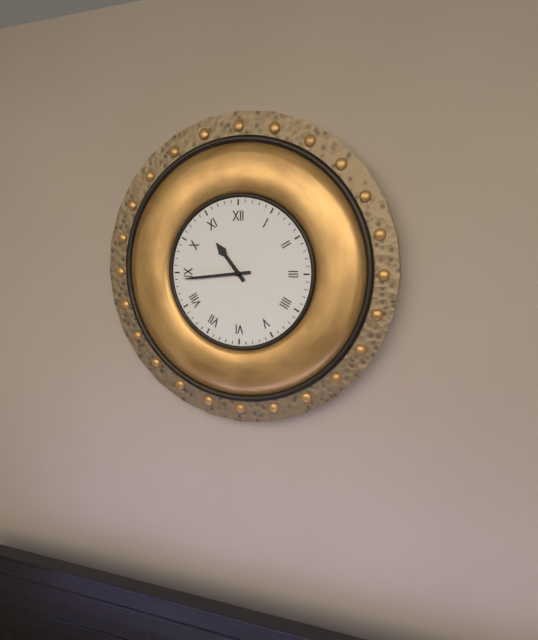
10:44
